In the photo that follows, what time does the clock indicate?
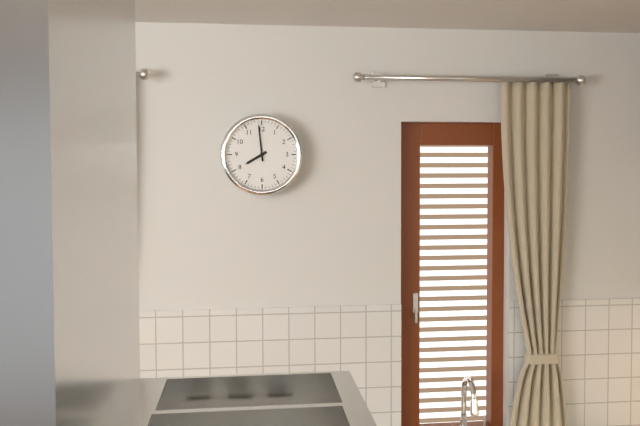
7:59
